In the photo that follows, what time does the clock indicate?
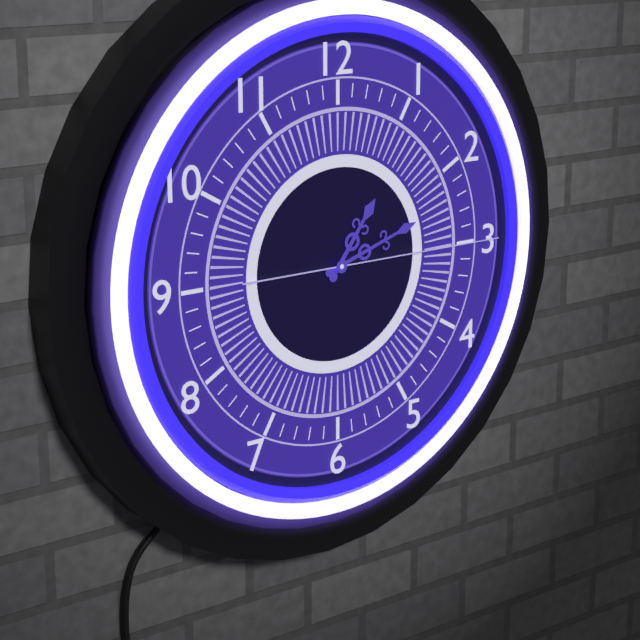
1:12:15
